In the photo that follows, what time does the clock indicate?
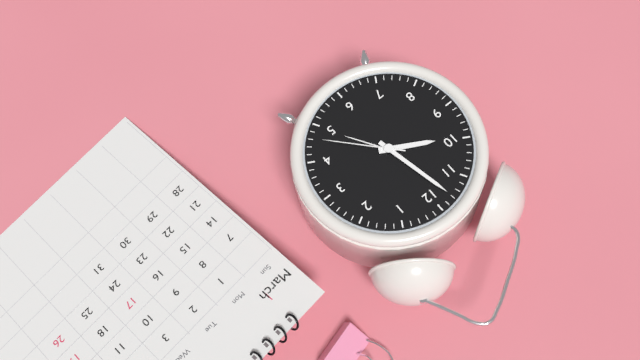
9:58:23
